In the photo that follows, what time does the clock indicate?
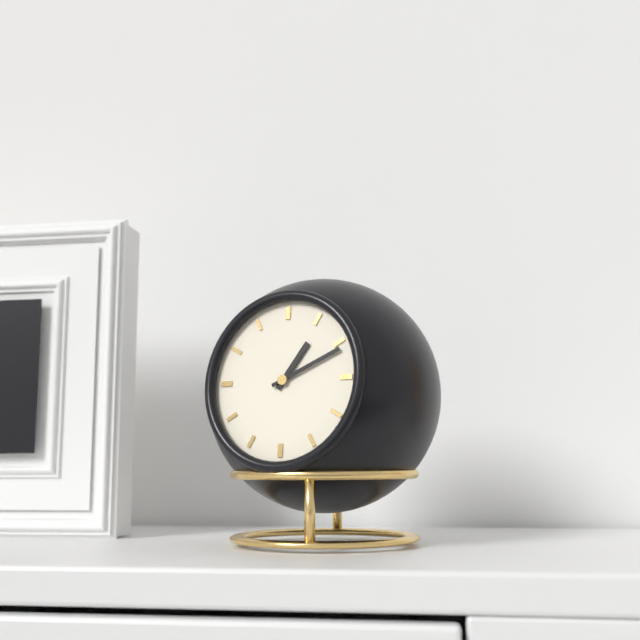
1:11
